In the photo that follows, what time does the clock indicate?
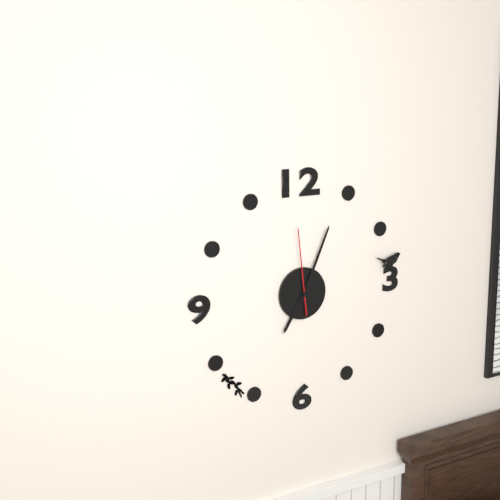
7:04:59
